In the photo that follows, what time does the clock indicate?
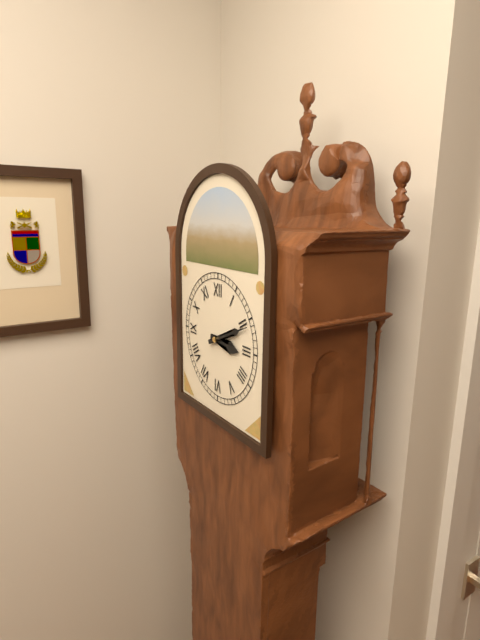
3:11
